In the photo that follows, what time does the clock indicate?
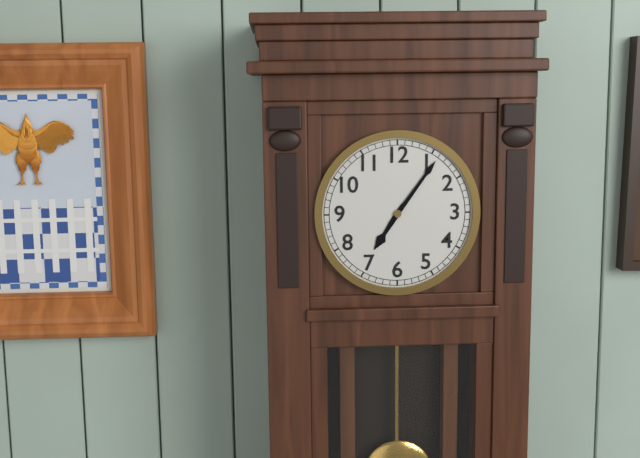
7:06
